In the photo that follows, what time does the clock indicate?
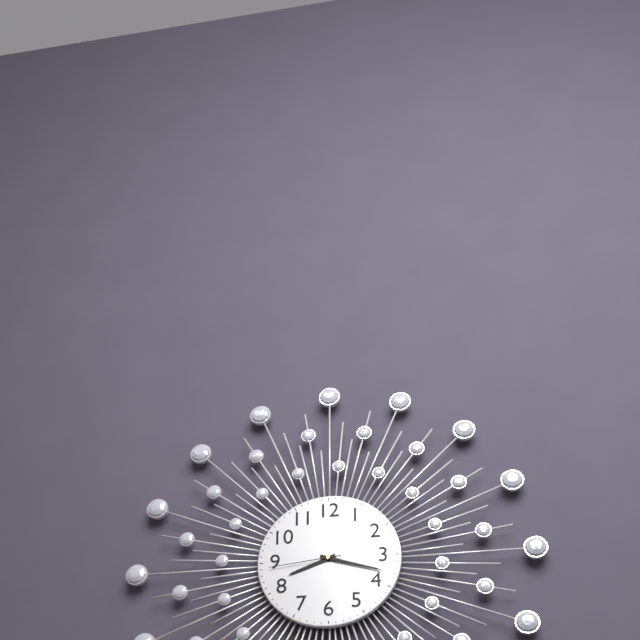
8:18:44
